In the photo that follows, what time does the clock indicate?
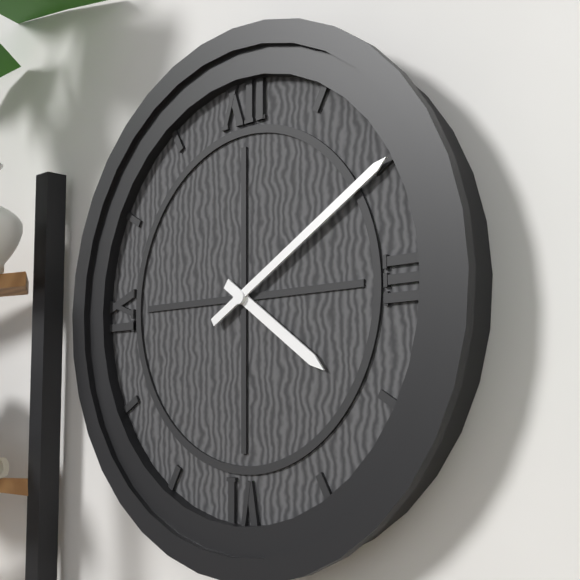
4:10
